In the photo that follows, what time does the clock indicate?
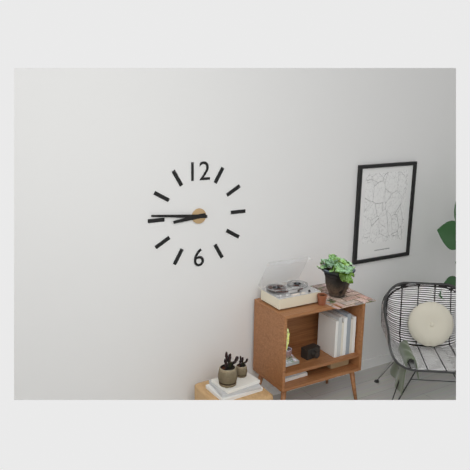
8:46
